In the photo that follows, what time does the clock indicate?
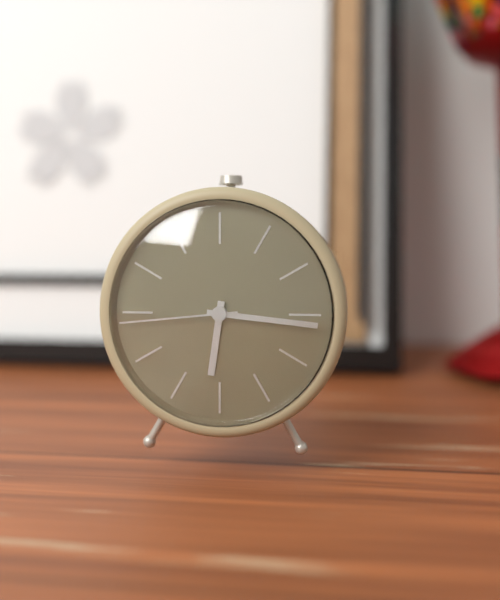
6:16:44
